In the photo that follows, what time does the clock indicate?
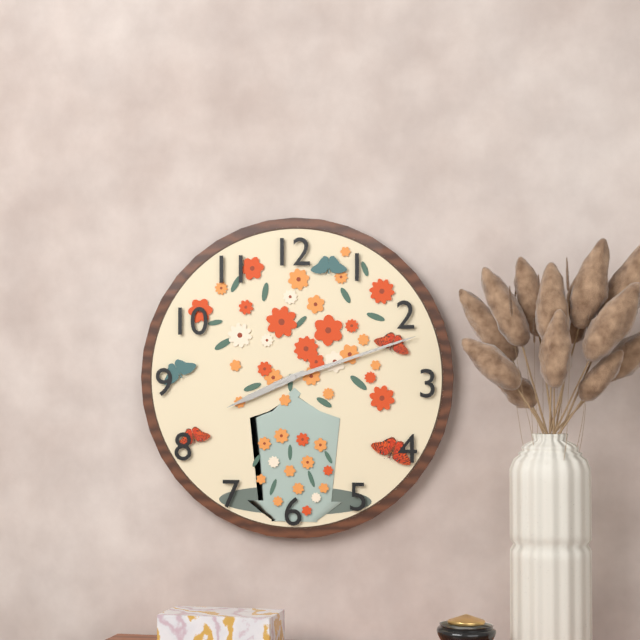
8:12
